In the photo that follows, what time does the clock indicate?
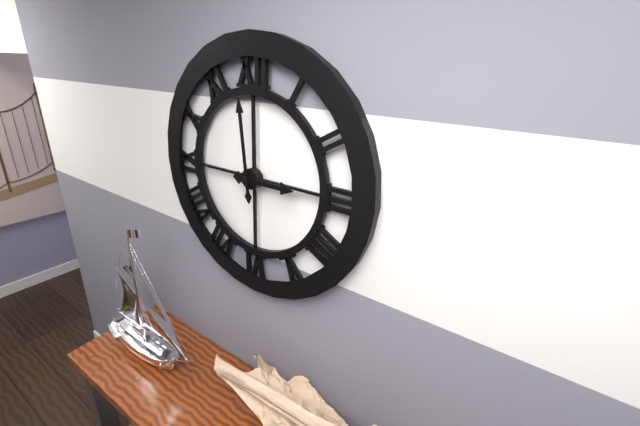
2:59
